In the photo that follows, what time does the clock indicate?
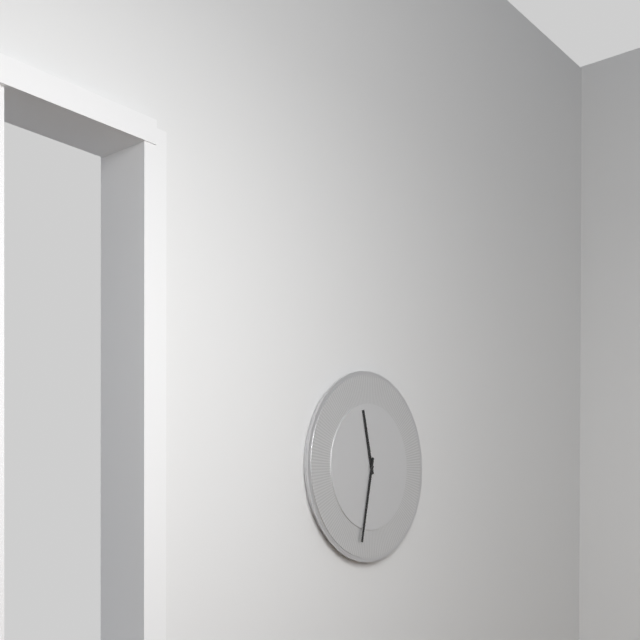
11:32
